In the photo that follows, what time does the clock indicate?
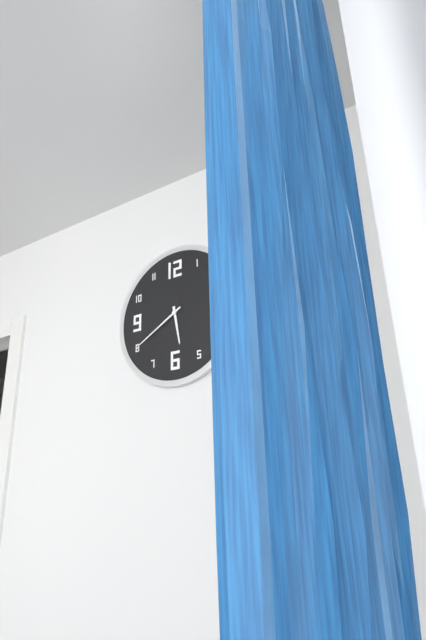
5:40
